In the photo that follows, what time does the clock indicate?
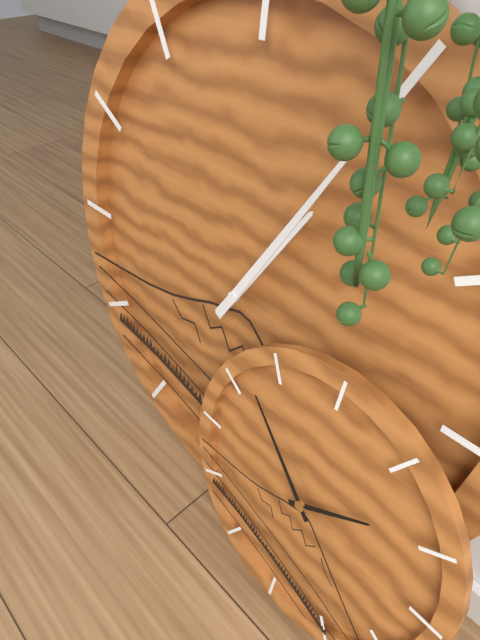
1:05
